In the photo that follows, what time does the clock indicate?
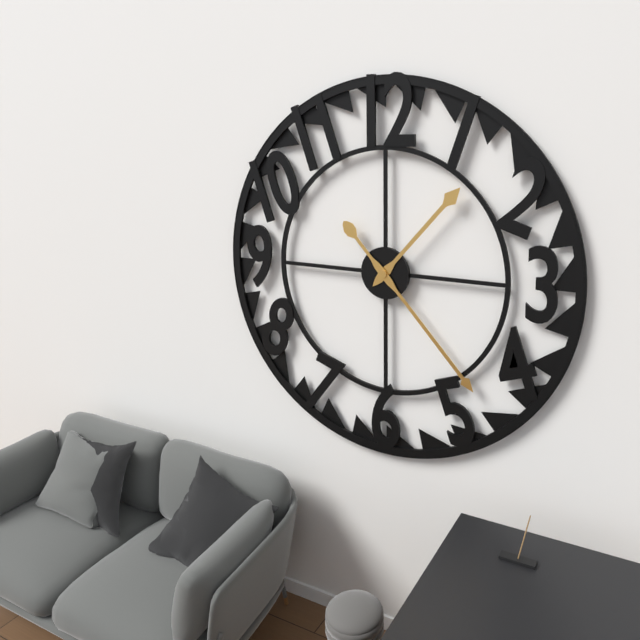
1:23
